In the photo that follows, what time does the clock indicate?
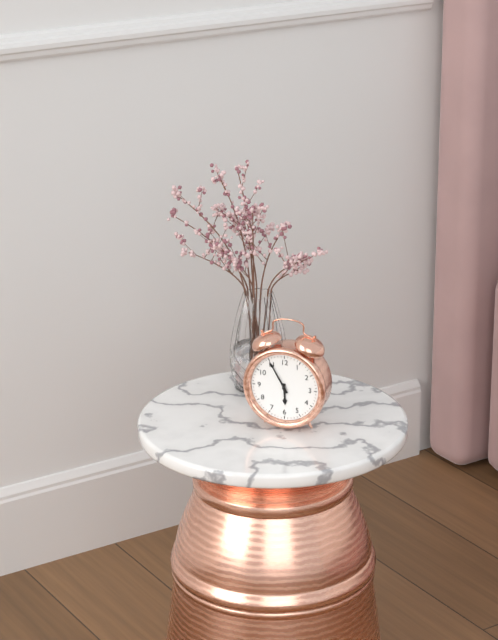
5:55
